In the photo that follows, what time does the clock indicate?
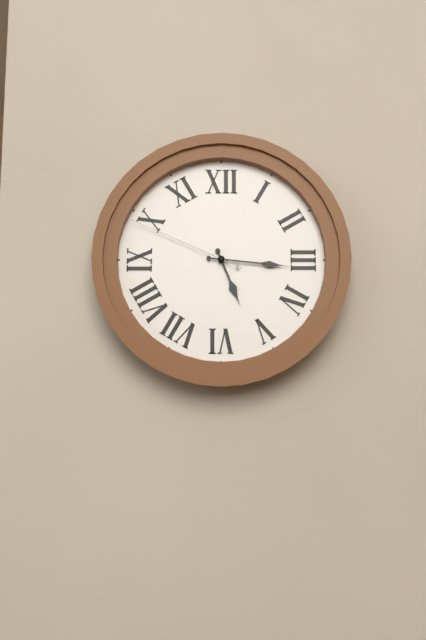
5:16:49
